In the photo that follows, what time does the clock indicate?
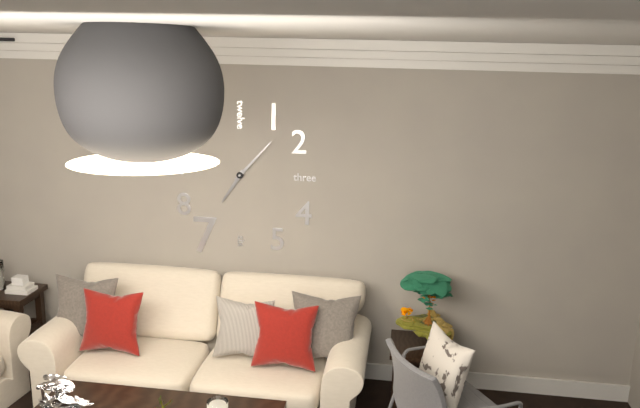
7:07
